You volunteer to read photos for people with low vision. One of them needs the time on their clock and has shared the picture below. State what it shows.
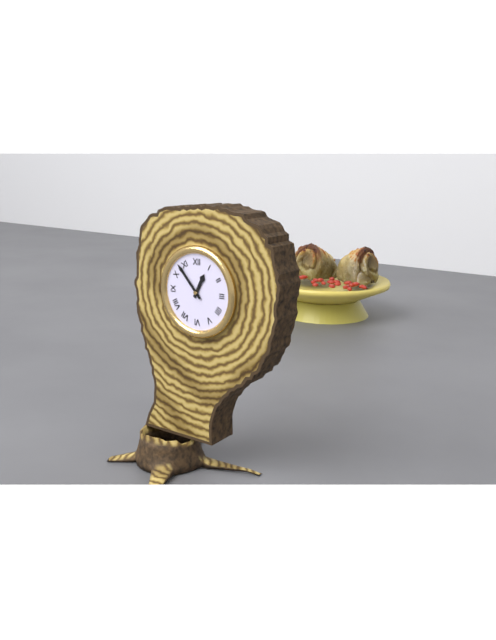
12:53
